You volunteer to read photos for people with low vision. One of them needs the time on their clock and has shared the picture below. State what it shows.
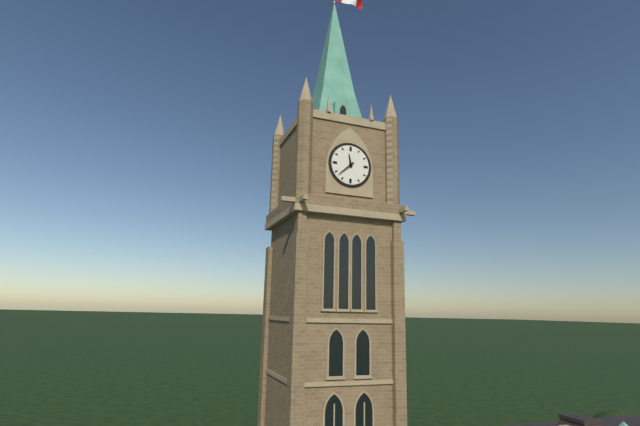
11:38
